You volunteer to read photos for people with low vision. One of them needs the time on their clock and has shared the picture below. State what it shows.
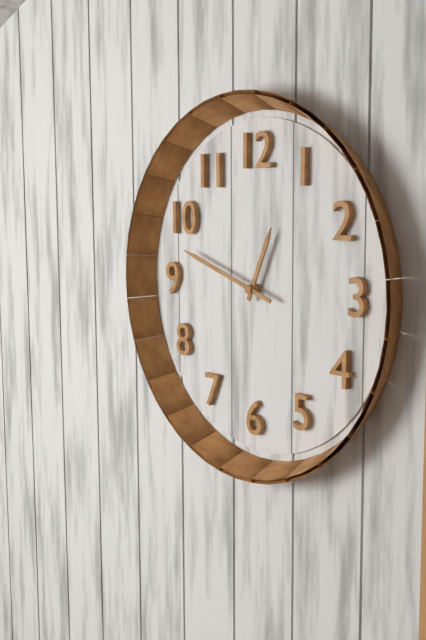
12:48
